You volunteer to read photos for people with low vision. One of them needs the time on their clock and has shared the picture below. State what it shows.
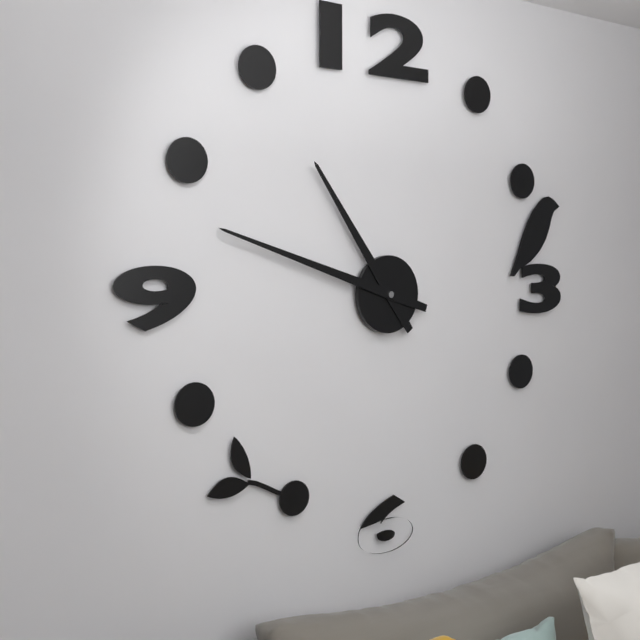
10:48
